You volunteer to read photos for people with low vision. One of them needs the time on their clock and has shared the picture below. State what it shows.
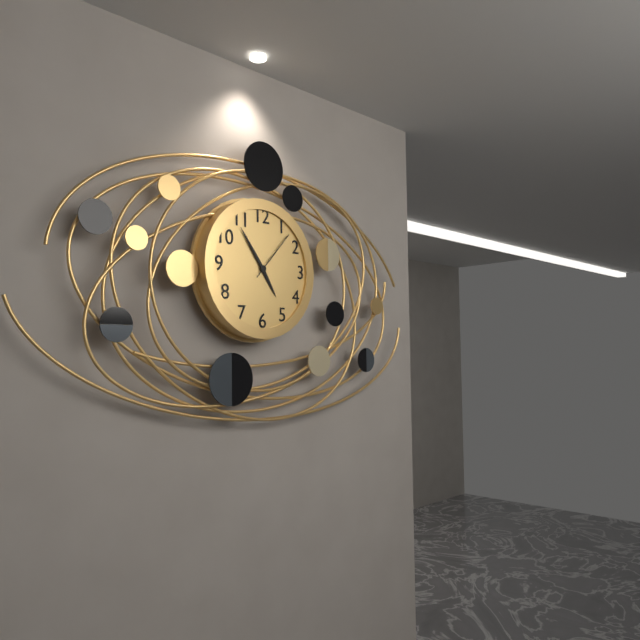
4:54:07
